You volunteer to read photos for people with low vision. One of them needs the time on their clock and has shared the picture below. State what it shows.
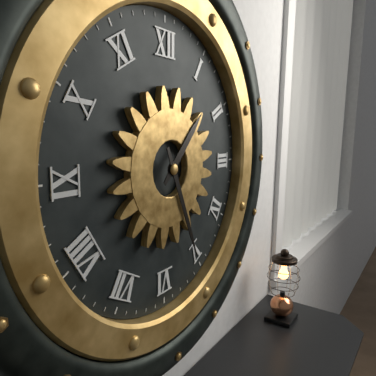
1:26
